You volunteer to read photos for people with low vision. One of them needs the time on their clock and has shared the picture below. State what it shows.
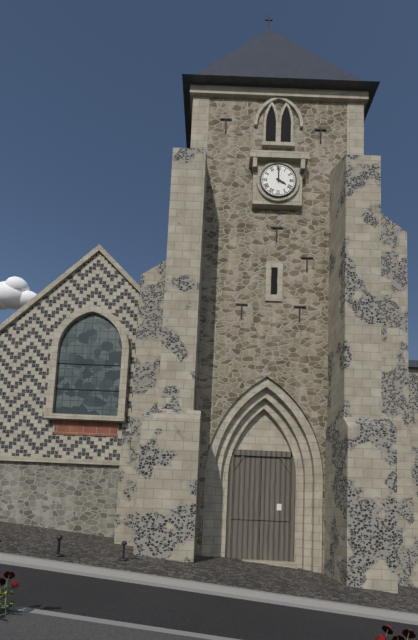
4:00
